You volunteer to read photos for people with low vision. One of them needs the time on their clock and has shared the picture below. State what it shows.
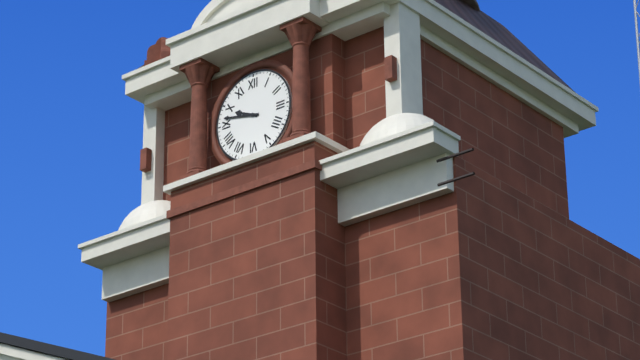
9:47
